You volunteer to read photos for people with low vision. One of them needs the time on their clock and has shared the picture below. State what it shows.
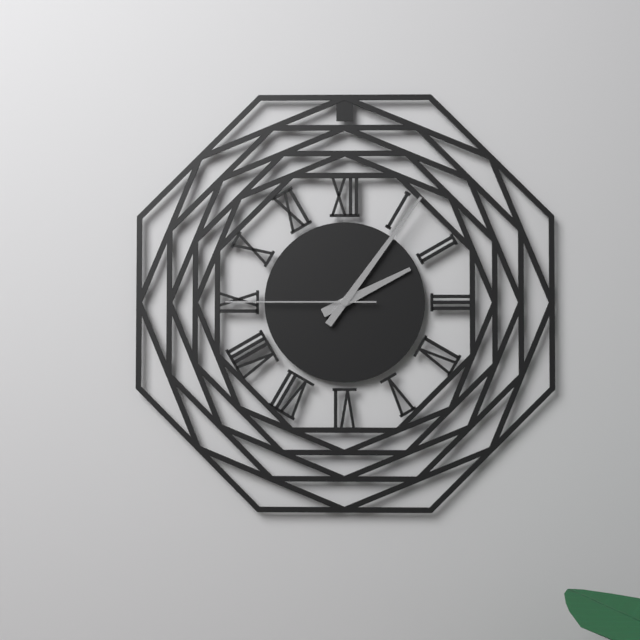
2:06:45
